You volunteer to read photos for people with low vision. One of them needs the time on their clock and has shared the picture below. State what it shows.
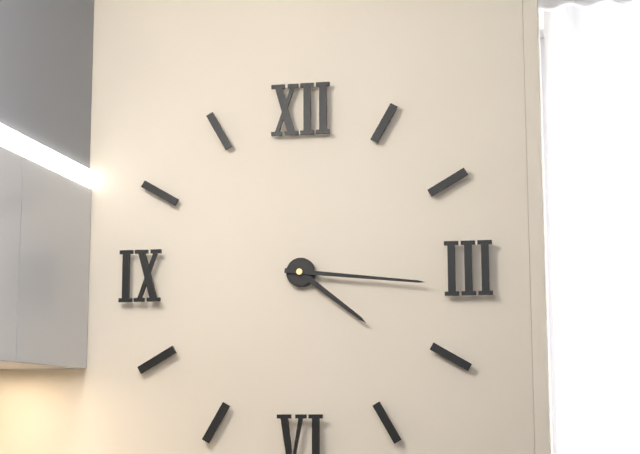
4:16
